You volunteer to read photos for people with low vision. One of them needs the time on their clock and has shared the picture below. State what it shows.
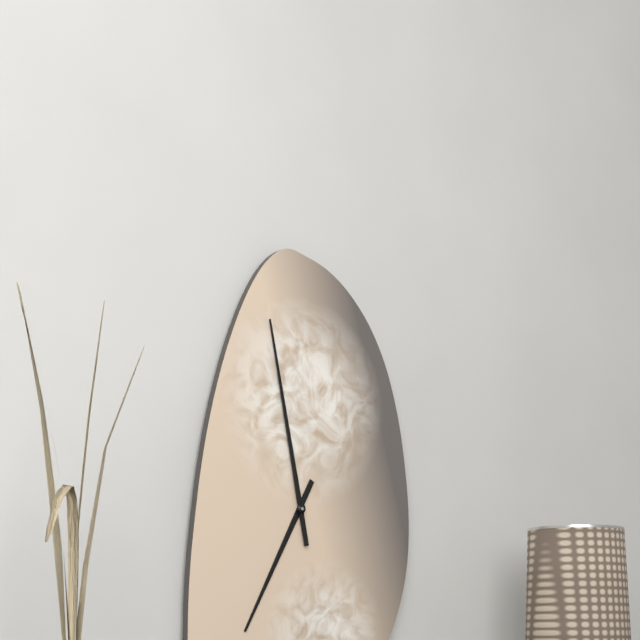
6:58
